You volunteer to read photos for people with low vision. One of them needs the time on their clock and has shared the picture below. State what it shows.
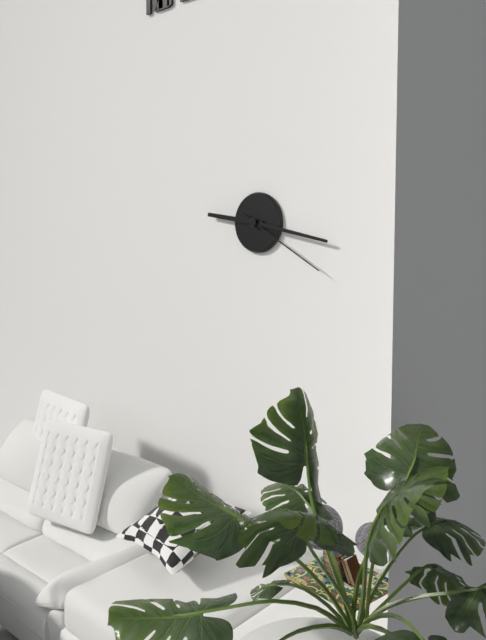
9:17:20
